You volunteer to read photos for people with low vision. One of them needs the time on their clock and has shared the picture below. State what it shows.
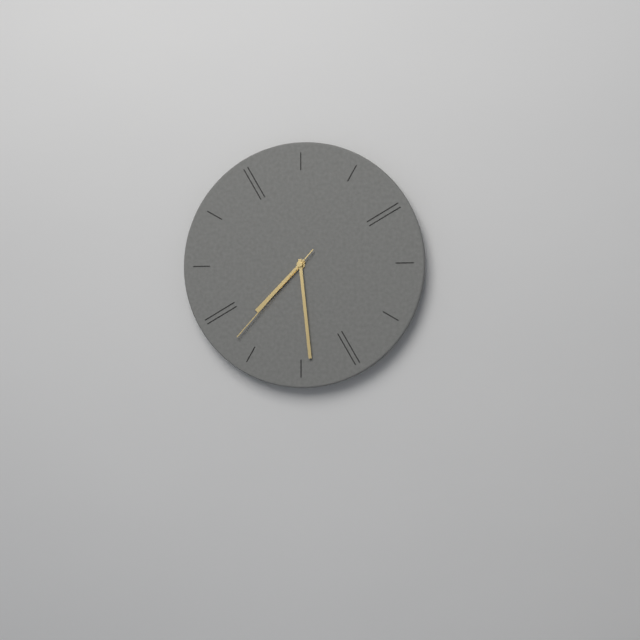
7:29:37
